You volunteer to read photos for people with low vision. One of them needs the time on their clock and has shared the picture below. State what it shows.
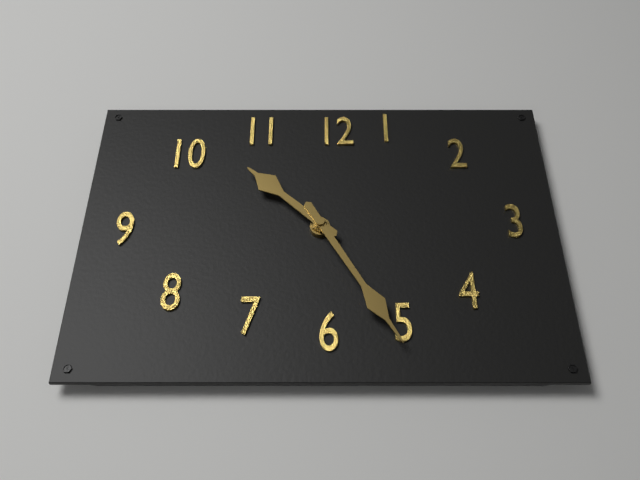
10:25
